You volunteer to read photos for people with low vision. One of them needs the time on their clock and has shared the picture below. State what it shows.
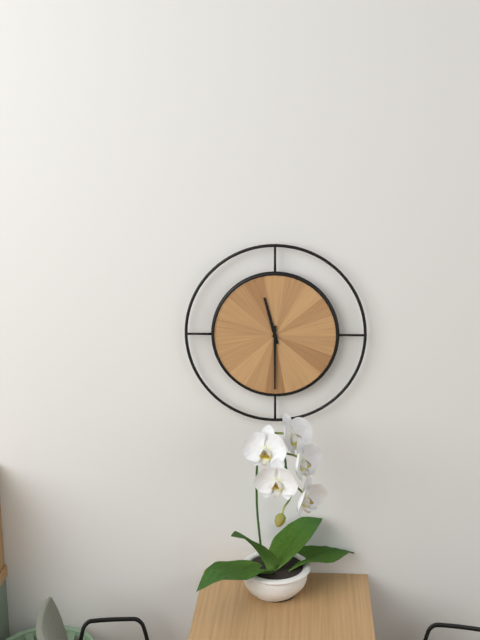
11:30
